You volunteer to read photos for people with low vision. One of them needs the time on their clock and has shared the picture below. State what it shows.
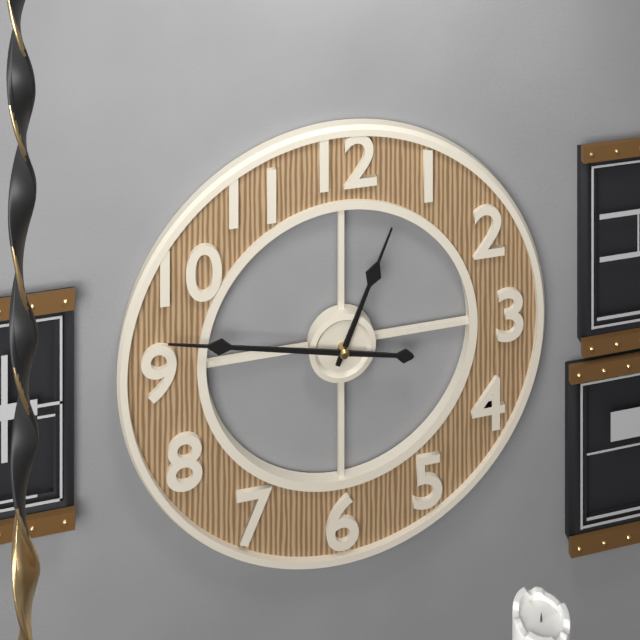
12:47
